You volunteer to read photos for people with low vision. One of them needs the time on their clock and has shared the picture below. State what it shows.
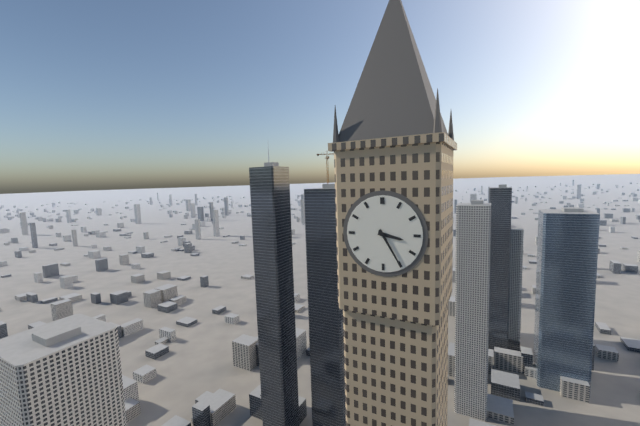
3:25
